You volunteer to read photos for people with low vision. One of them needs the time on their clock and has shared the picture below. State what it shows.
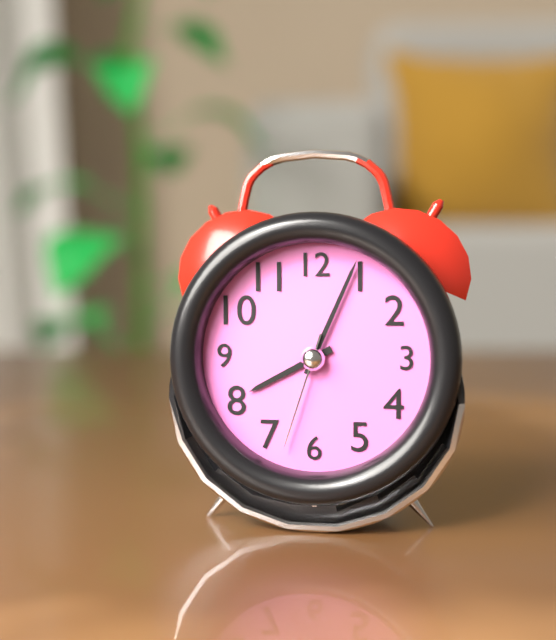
8:04:33
